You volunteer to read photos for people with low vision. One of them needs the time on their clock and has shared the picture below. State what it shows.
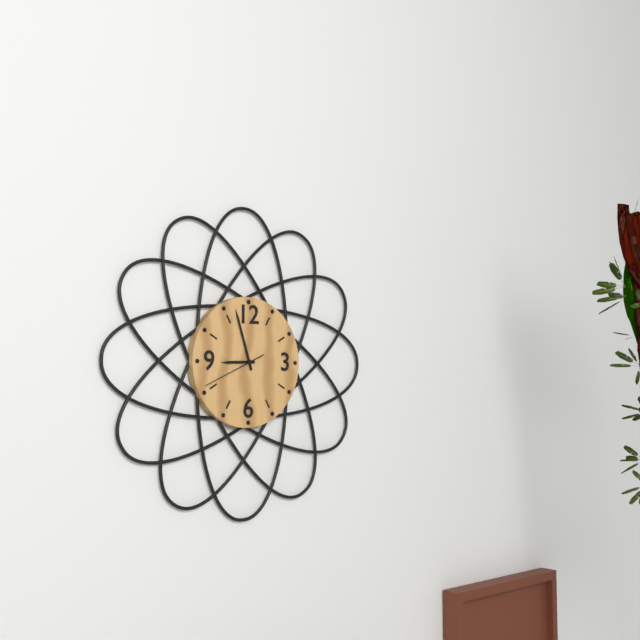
8:57:41
